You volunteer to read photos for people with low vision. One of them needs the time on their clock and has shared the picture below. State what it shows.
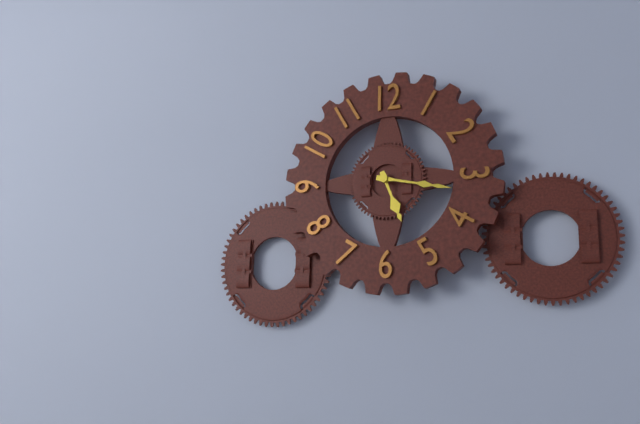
5:17
